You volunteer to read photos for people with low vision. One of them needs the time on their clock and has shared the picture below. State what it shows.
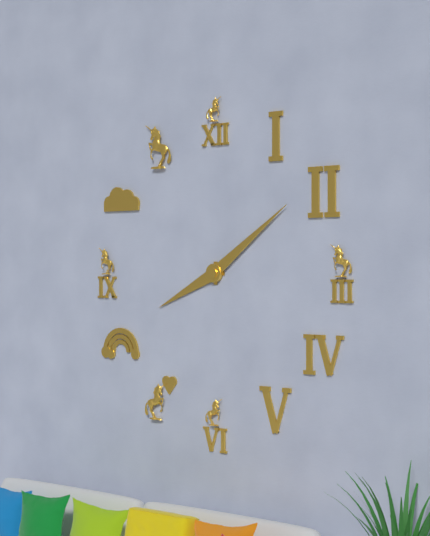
8:09
